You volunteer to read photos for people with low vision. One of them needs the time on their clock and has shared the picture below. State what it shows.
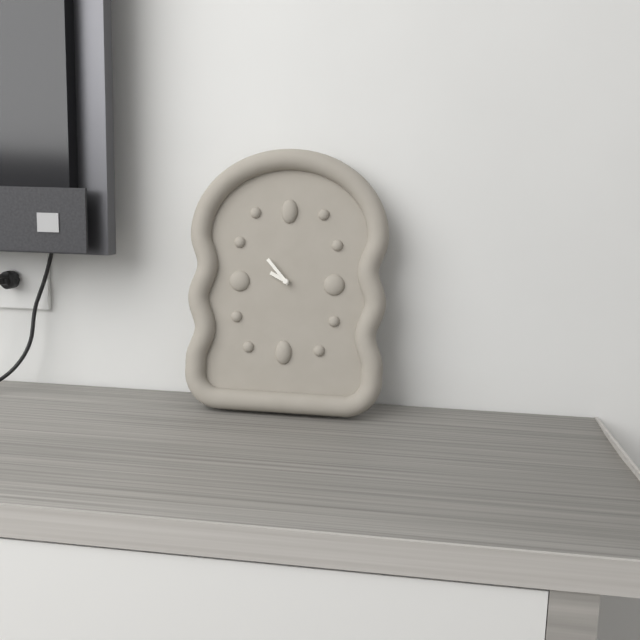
9:53
